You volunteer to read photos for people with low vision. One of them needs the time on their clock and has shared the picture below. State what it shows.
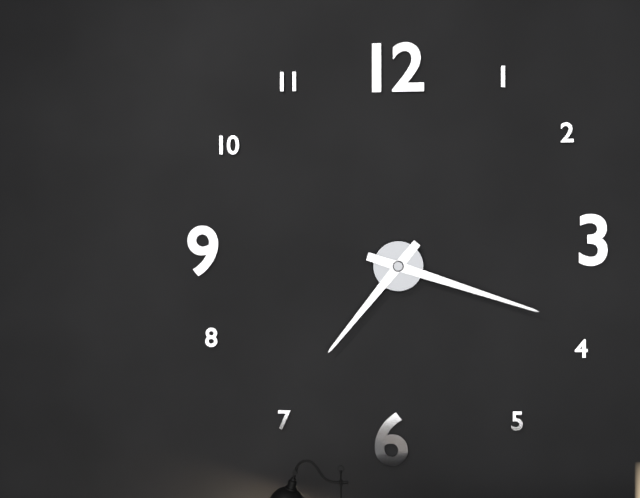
7:18
